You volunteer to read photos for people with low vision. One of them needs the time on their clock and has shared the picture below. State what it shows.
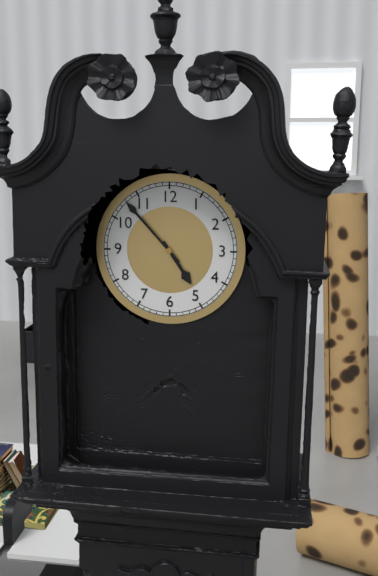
4:53
